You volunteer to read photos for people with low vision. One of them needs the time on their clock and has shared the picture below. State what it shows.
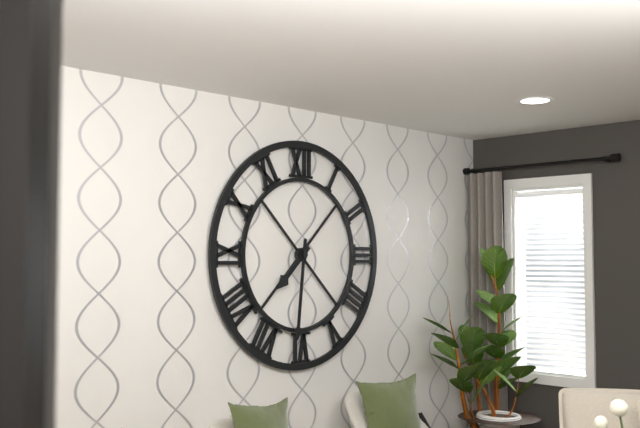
7:31
